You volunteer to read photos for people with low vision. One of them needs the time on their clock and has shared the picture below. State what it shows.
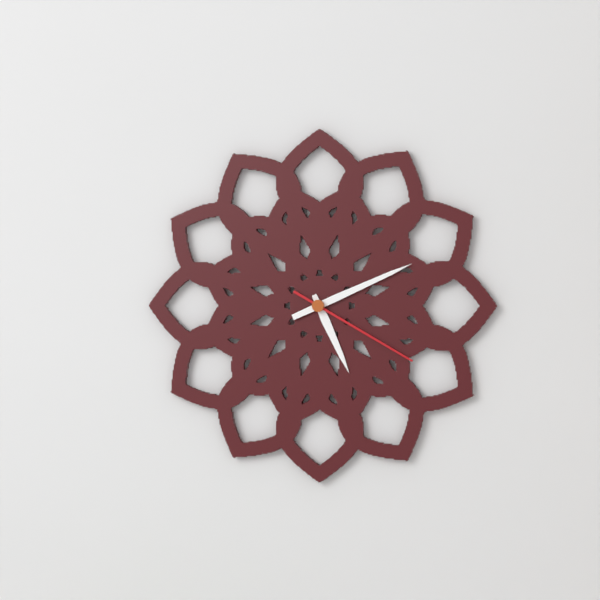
5:11:20
